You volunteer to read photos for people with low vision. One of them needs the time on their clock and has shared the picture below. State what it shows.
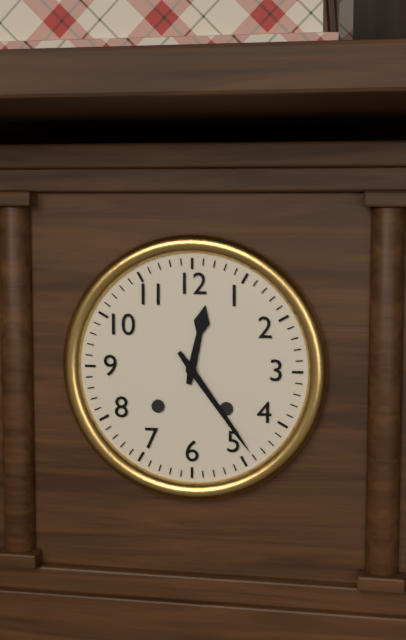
12:24
